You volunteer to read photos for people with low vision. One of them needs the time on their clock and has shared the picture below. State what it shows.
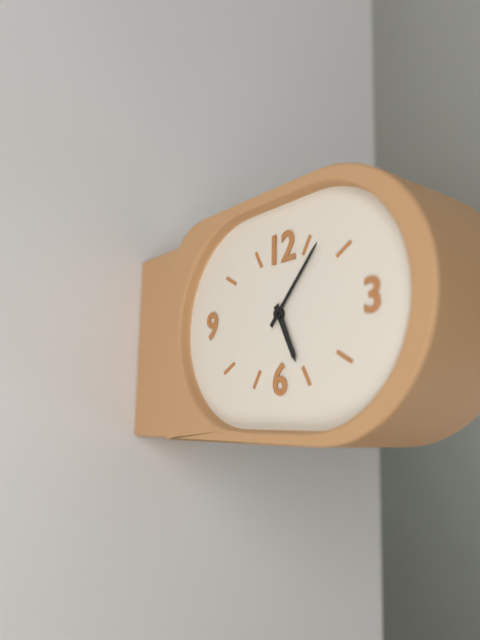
5:07
